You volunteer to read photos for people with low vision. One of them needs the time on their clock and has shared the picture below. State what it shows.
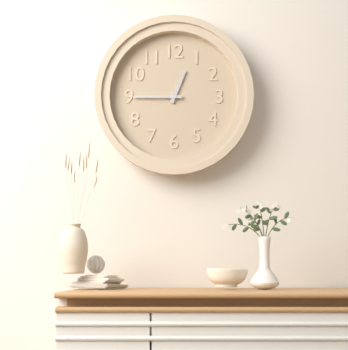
12:45
